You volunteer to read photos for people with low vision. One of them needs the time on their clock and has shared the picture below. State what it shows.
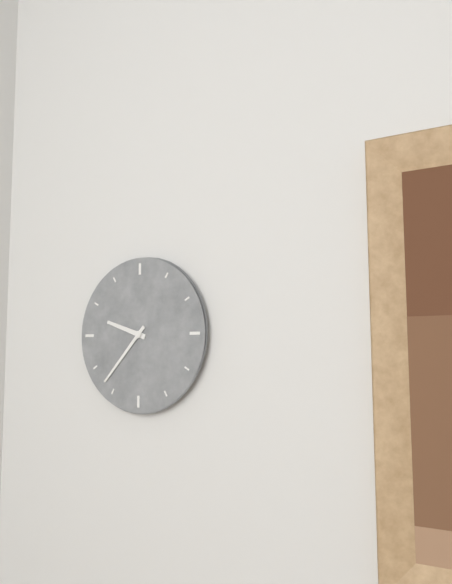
9:37
